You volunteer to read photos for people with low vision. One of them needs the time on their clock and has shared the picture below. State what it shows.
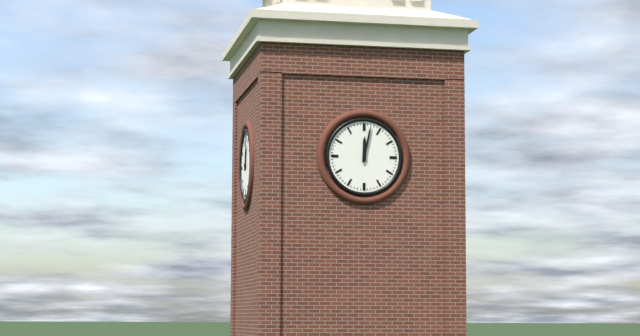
12:02
